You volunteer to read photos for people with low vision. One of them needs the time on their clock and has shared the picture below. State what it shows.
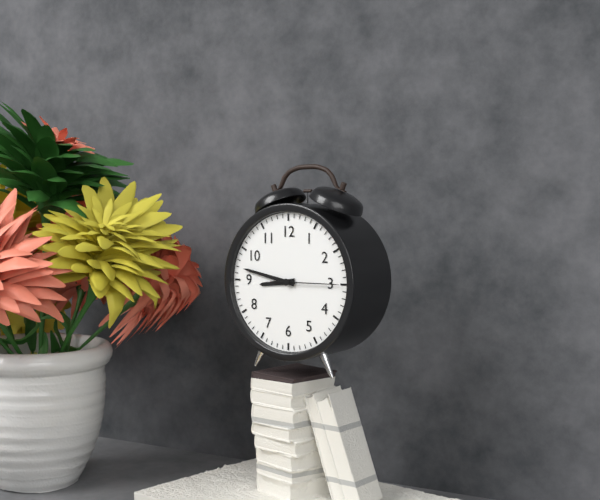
8:47:15
